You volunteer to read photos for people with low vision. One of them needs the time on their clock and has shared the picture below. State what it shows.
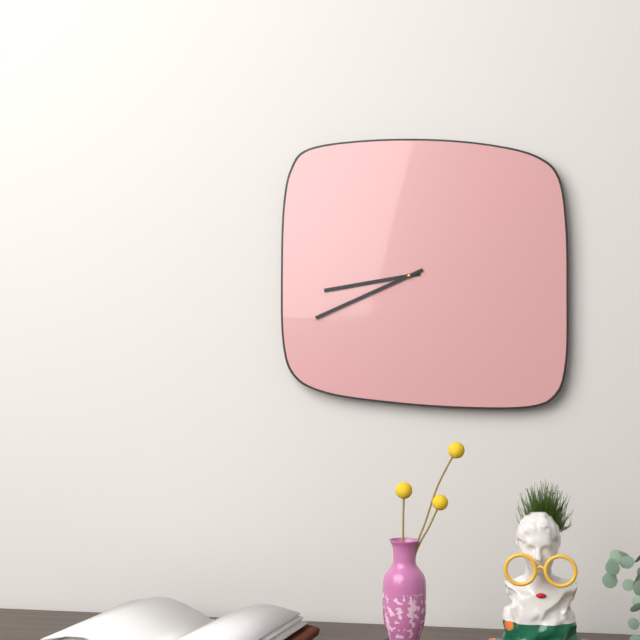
8:41
